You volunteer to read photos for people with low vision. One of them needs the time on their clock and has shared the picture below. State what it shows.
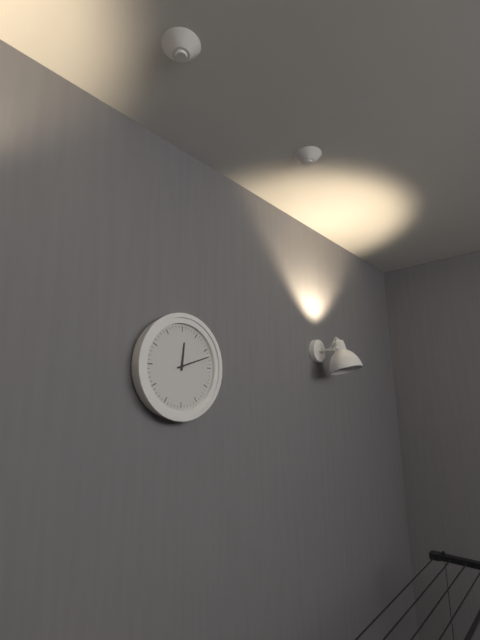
12:12
